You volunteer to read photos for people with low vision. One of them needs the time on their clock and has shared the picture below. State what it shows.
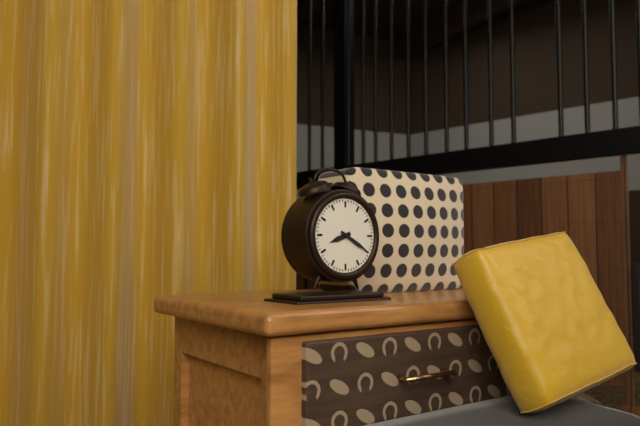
8:20
